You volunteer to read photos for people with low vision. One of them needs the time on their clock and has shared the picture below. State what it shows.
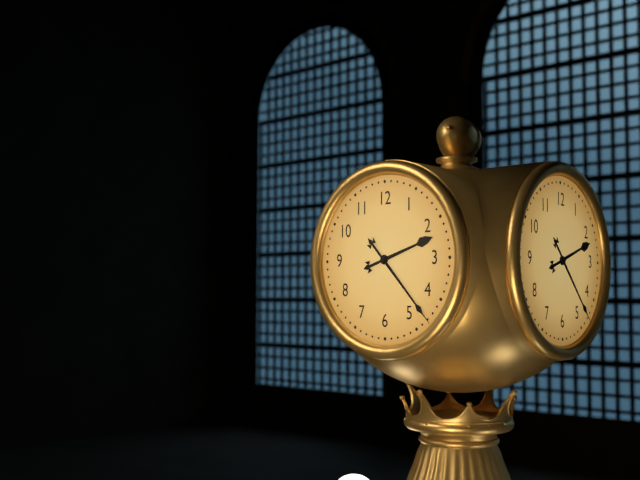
2:23
